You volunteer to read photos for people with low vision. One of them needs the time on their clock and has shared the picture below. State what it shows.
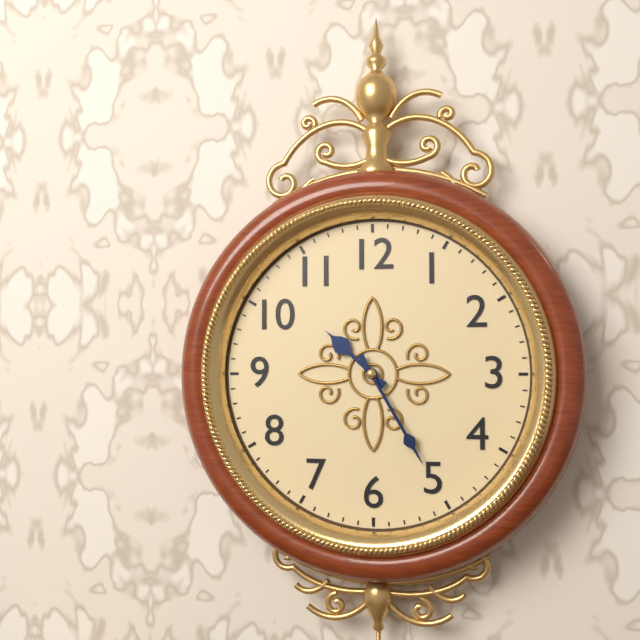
10:25
